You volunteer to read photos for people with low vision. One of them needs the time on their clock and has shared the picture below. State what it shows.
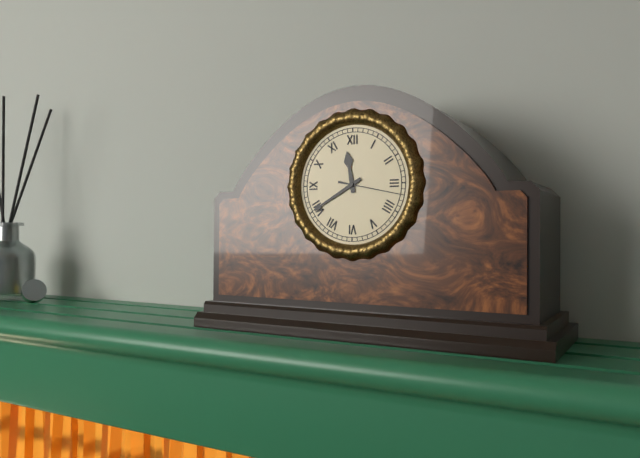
11:40
